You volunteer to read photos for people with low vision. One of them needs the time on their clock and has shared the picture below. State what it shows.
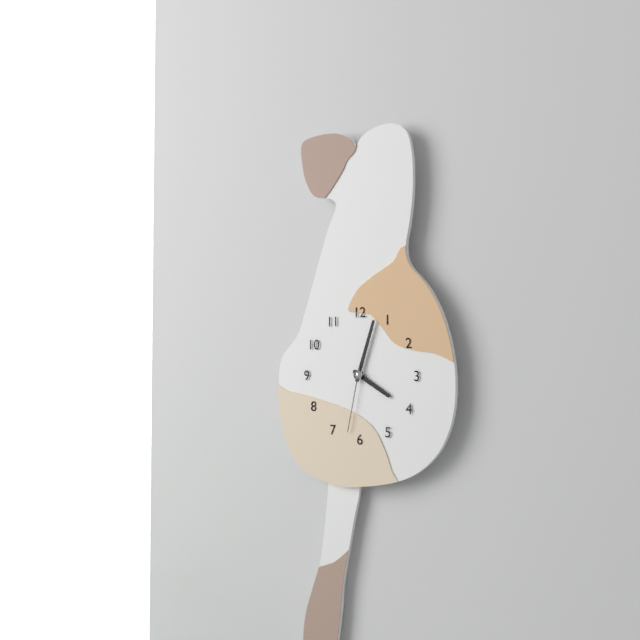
4:03:32
